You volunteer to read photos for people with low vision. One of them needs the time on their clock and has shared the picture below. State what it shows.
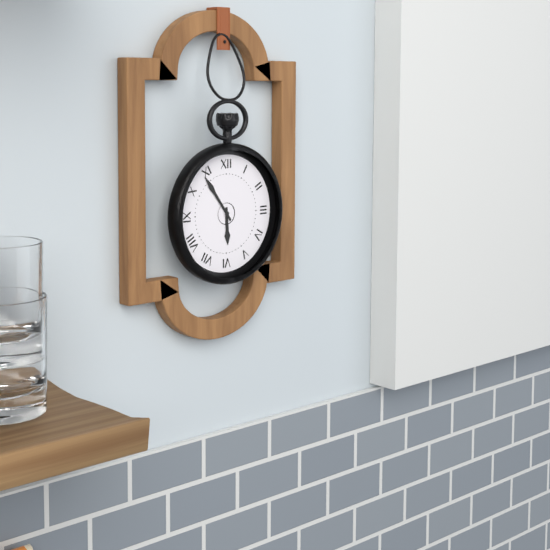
5:54
